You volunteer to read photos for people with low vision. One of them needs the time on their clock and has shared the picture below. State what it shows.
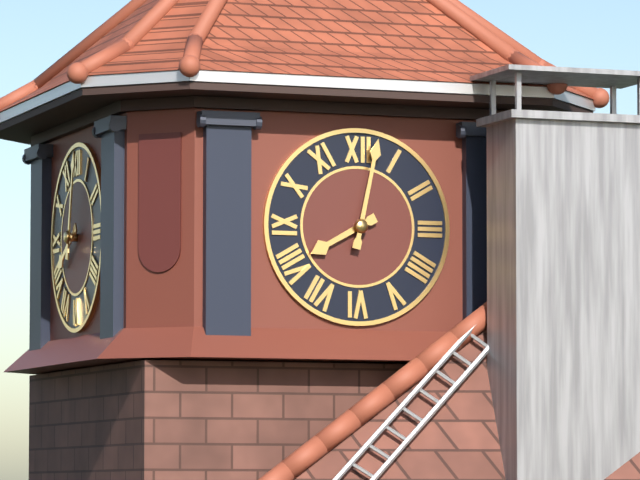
8:02
